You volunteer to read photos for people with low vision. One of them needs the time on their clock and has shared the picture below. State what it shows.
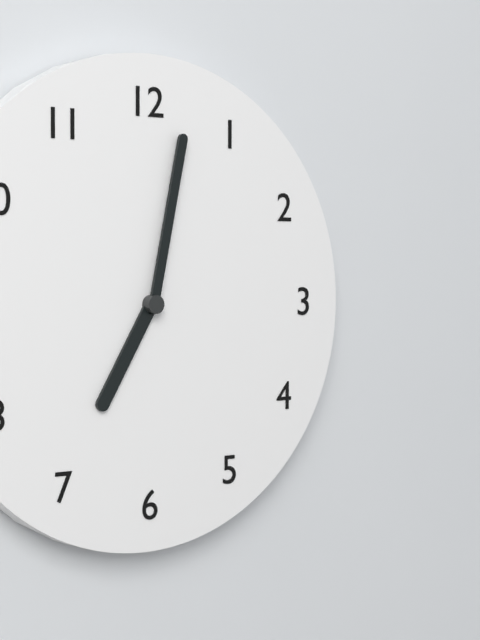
7:02
